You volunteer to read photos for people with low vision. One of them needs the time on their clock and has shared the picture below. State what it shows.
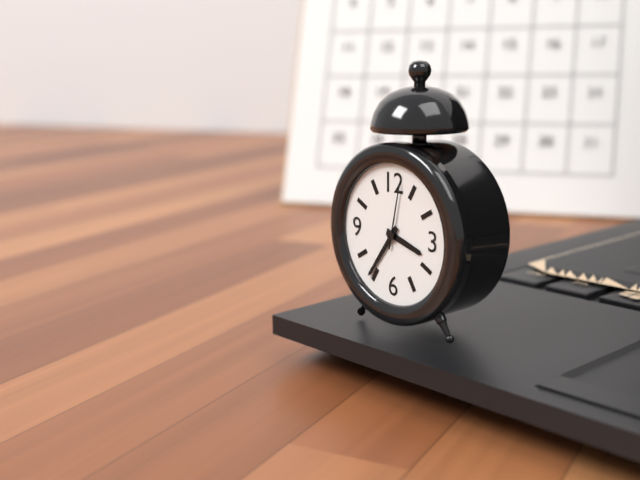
3:36:02
